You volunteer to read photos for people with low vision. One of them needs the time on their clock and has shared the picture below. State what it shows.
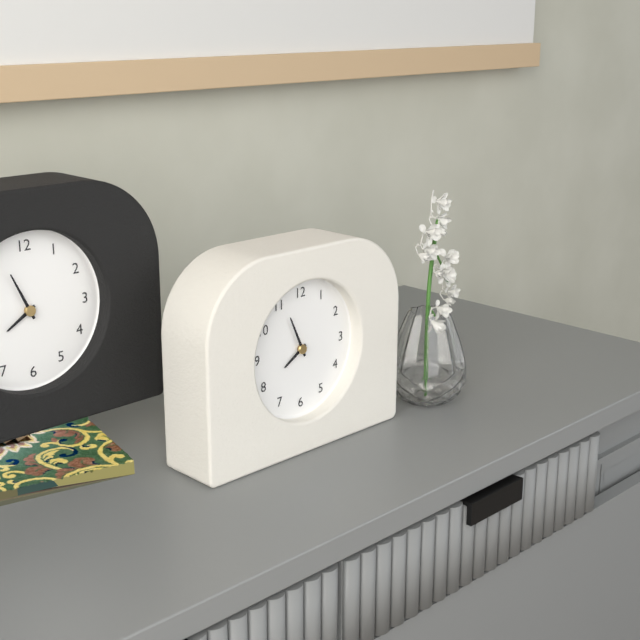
7:56
